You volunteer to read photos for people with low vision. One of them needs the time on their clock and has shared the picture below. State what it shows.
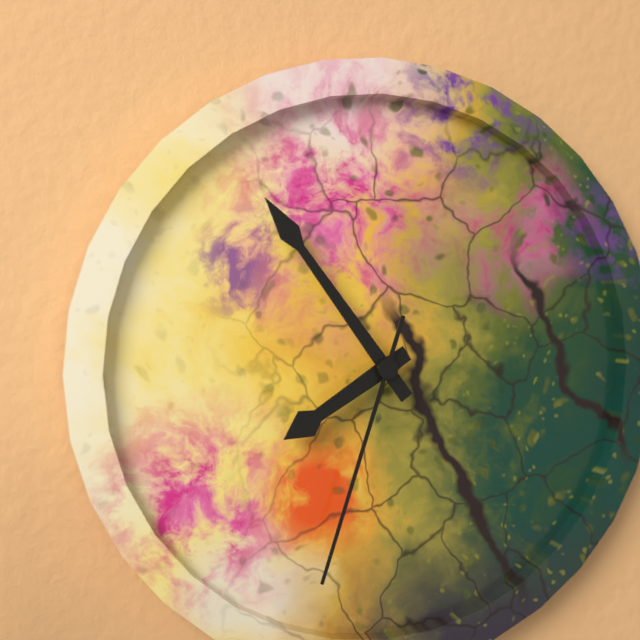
7:54:33
